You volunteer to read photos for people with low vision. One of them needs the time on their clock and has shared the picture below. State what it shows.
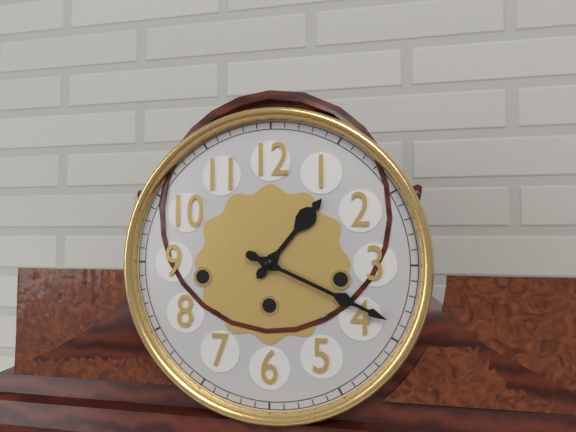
1:19
